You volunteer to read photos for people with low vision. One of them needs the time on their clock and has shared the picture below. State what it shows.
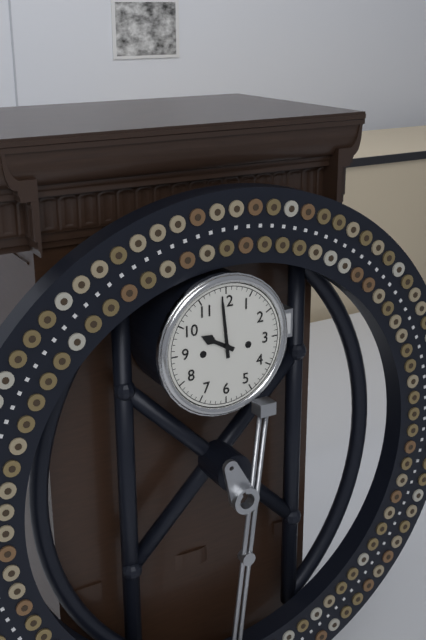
9:59
